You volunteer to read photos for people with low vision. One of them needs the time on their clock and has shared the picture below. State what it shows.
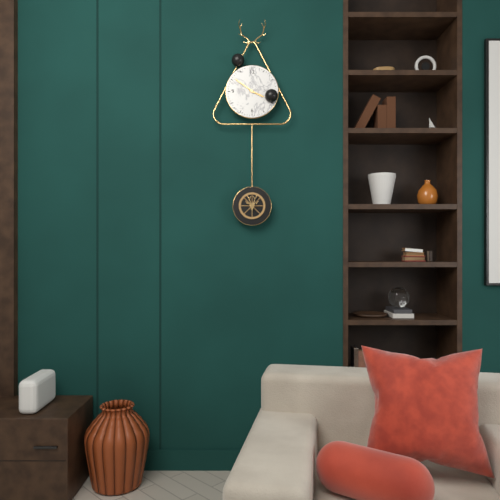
3:51
